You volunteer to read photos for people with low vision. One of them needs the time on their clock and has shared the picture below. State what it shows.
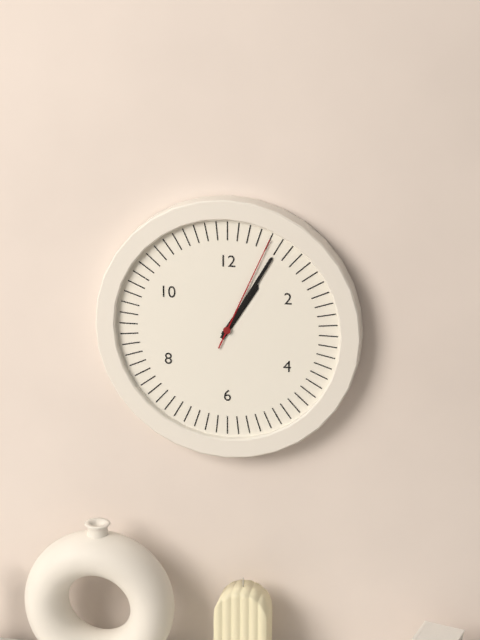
1:05:04
